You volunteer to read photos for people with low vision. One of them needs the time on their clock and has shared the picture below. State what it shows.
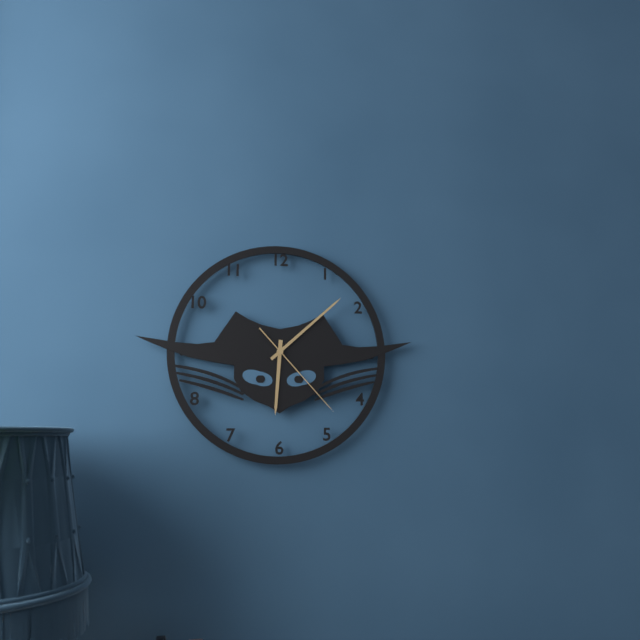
6:08:23
